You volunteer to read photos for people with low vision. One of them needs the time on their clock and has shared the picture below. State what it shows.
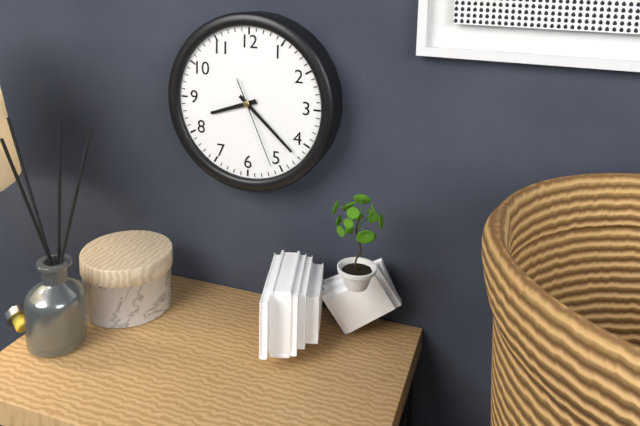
8:22:26
